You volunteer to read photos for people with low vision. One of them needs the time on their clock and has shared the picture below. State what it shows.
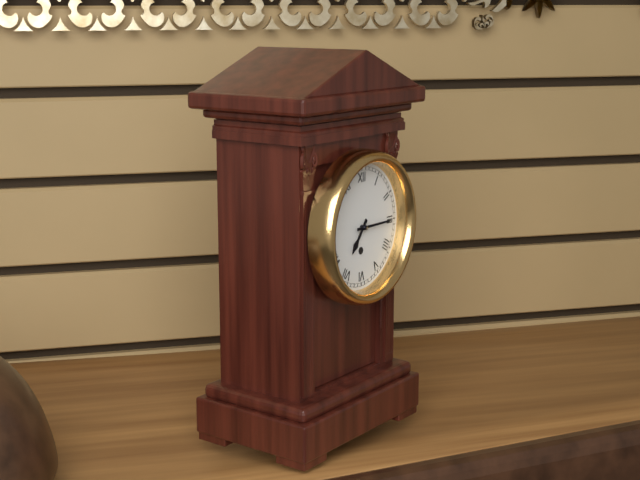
7:15
